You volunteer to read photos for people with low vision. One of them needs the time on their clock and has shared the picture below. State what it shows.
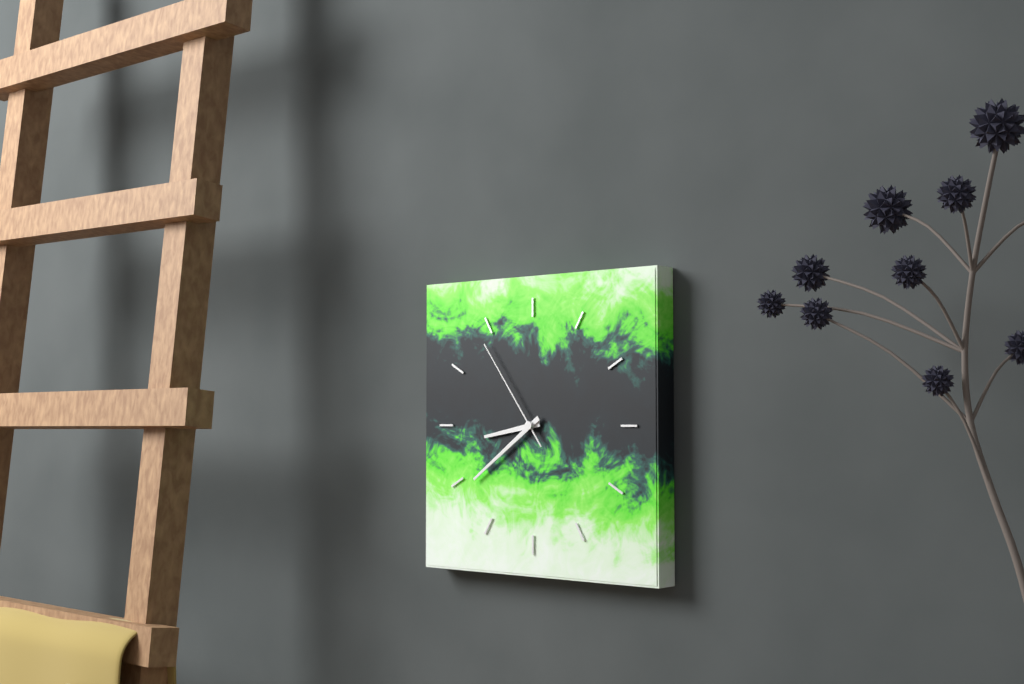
8:39:54
